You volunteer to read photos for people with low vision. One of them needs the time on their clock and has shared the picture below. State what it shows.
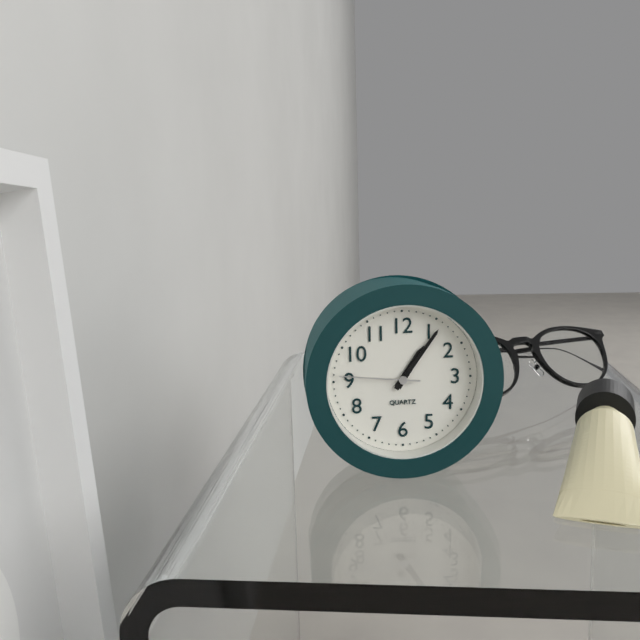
1:06:46
